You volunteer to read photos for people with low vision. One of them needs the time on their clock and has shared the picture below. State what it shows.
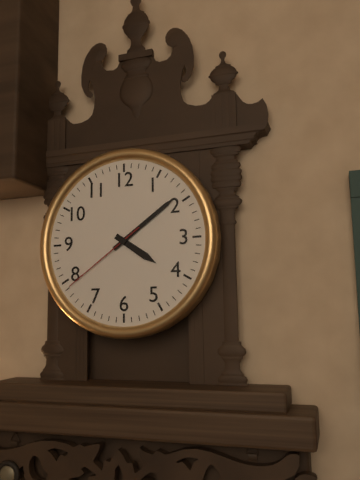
4:09:39
